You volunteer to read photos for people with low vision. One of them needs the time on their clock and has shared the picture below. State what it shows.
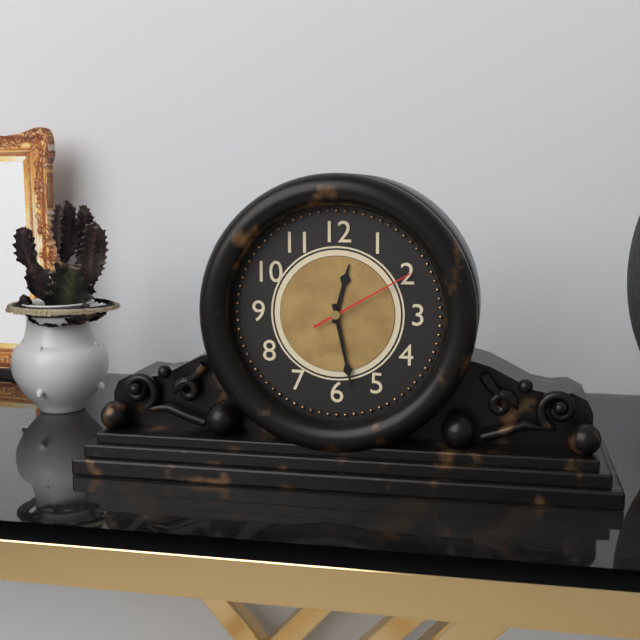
12:28:10
